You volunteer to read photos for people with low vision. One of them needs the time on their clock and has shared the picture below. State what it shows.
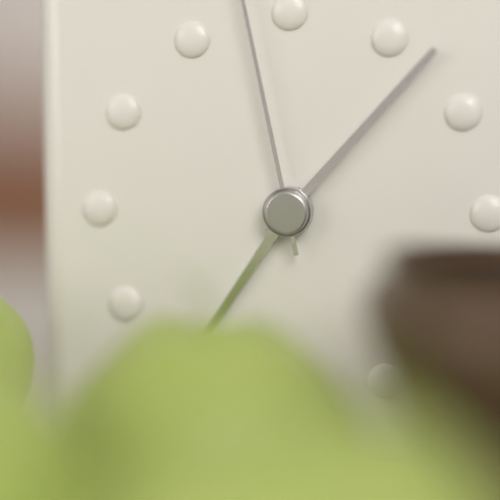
7:07
